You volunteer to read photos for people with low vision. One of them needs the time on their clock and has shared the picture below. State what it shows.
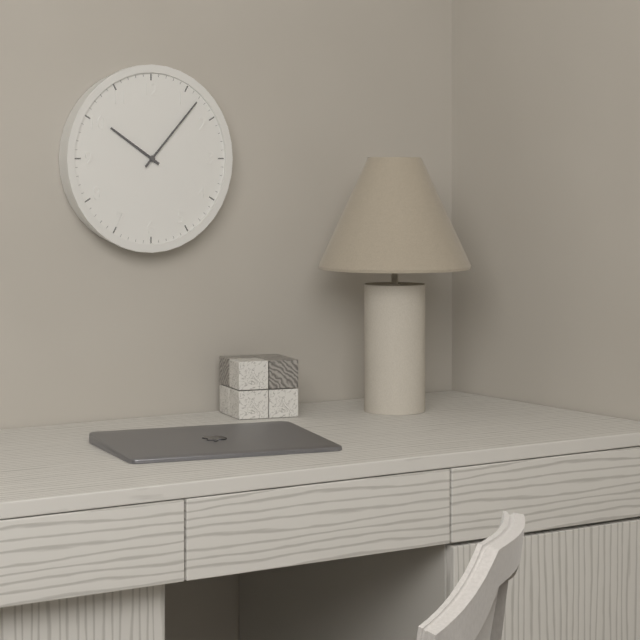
10:07
